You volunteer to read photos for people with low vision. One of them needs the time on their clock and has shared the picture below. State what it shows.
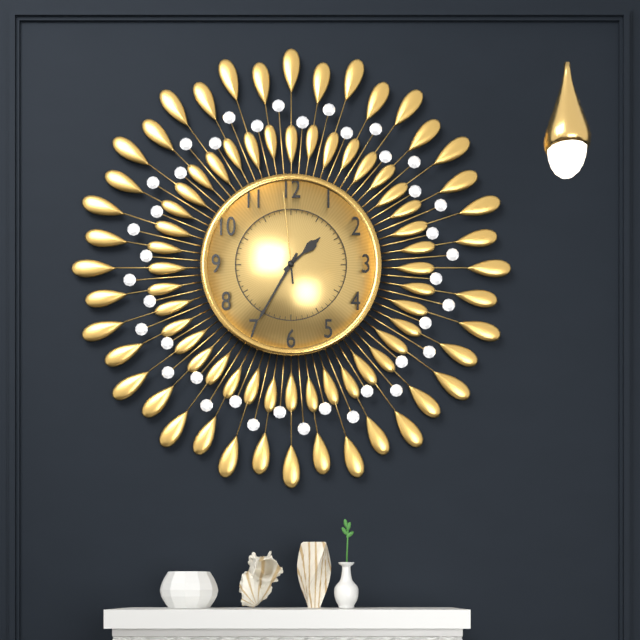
1:35:59
